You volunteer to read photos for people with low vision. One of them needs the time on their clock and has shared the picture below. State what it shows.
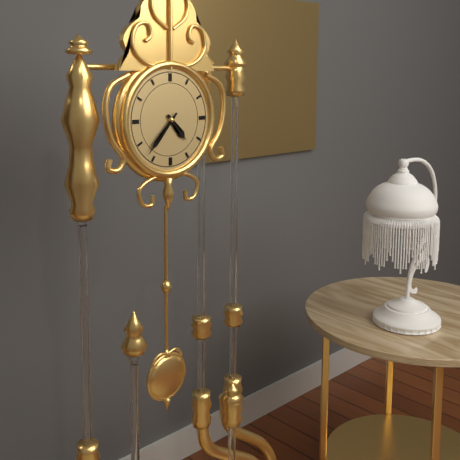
4:37
